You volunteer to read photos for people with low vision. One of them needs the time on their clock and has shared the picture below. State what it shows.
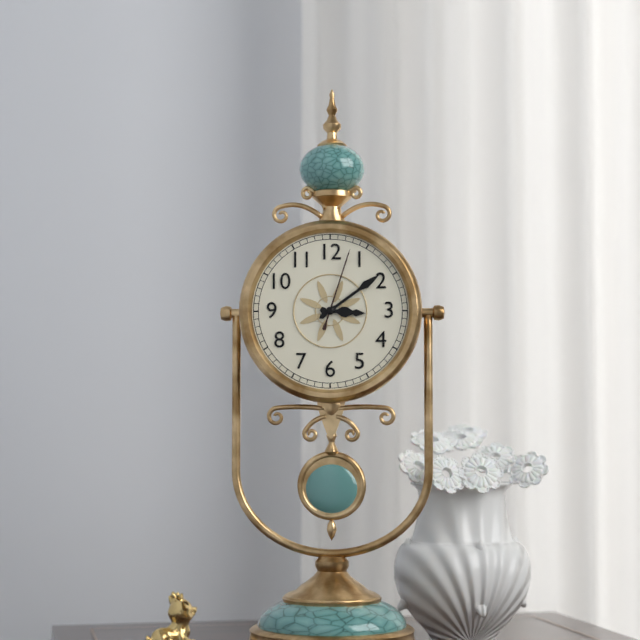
3:09:03
